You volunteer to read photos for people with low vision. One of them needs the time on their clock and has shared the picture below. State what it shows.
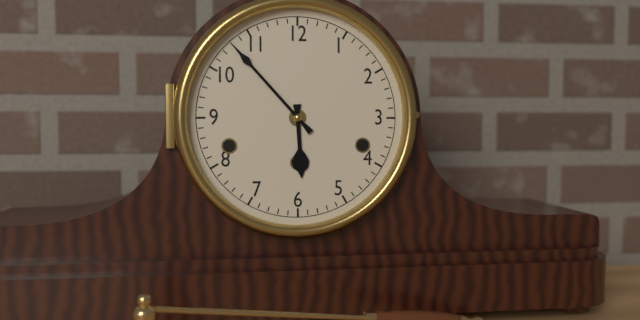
5:53
